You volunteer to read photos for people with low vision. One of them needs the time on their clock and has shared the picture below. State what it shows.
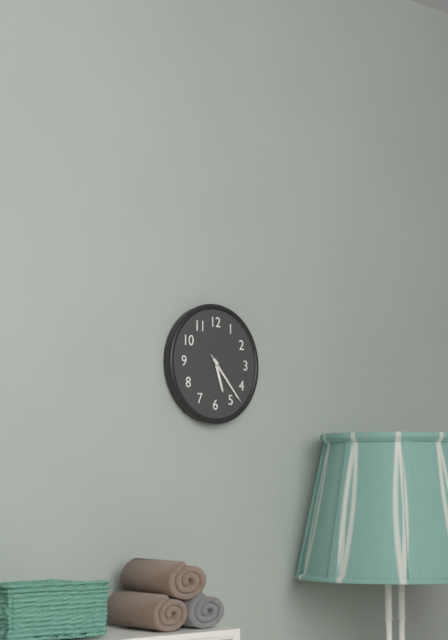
5:23:23
